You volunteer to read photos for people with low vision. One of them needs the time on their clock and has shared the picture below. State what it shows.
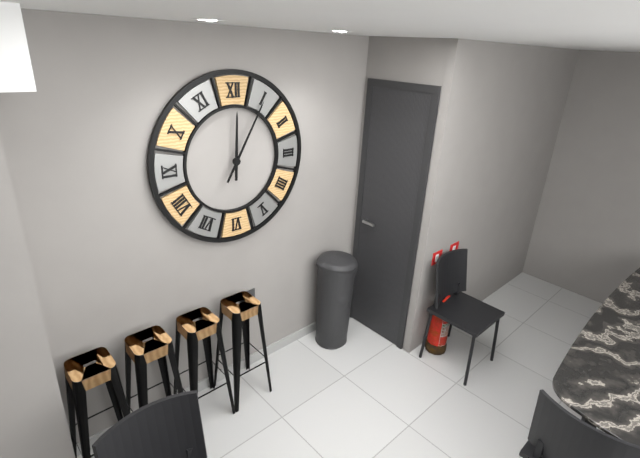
12:05
